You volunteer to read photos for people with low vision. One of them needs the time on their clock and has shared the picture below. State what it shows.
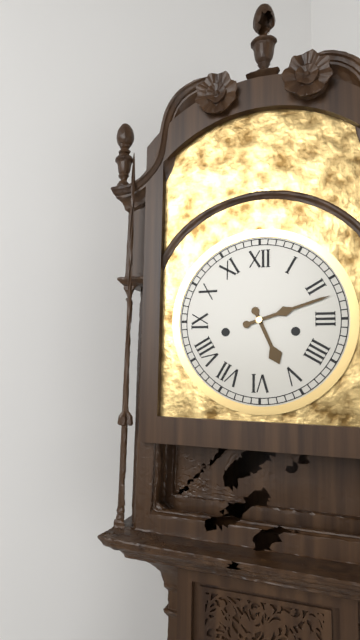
5:12
